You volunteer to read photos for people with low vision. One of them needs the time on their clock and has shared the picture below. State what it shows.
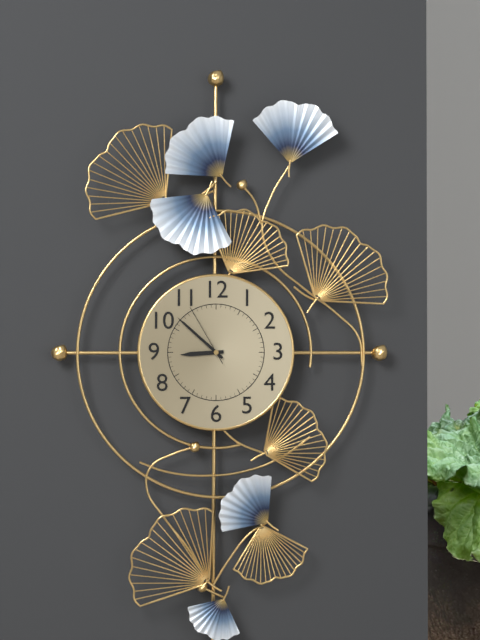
8:52:55
